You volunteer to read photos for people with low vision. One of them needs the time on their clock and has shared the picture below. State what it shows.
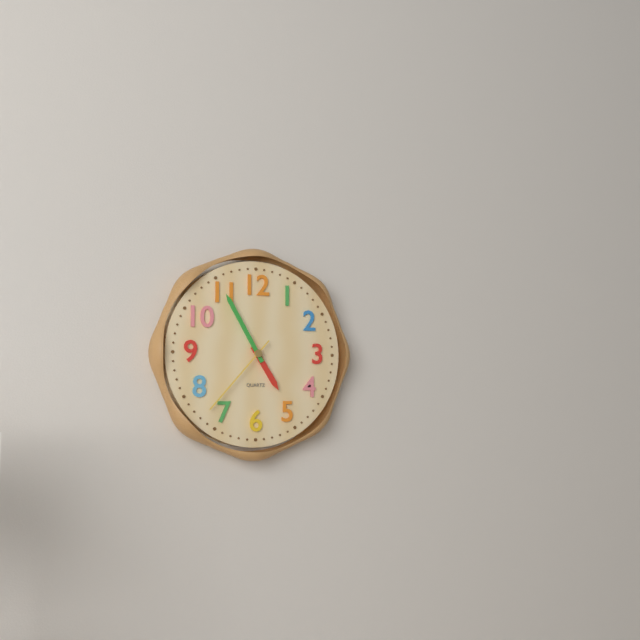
4:55:37
